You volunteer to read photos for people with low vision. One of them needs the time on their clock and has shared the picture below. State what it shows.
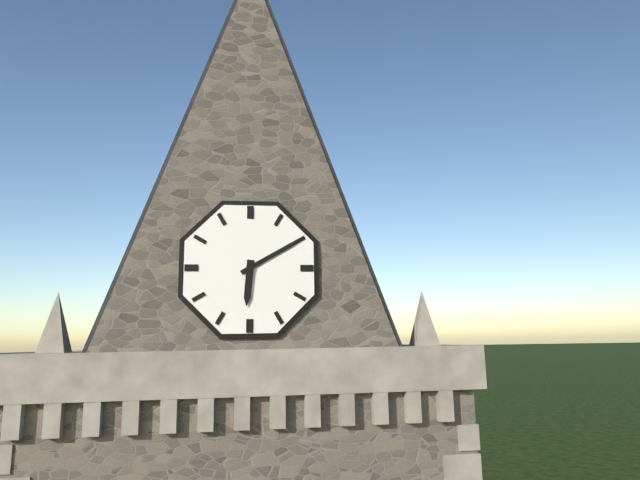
6:10
